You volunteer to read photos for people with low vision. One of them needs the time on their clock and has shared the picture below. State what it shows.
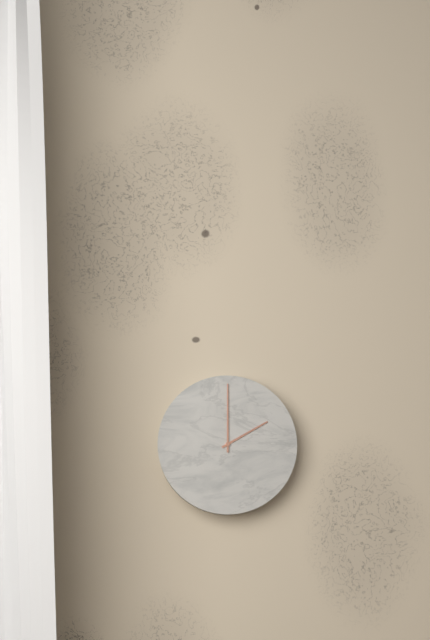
2:00
